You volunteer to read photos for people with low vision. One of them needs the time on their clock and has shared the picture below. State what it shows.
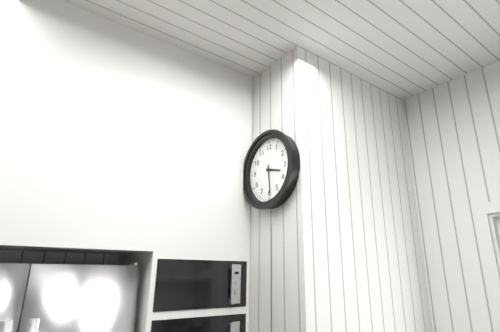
3:29
